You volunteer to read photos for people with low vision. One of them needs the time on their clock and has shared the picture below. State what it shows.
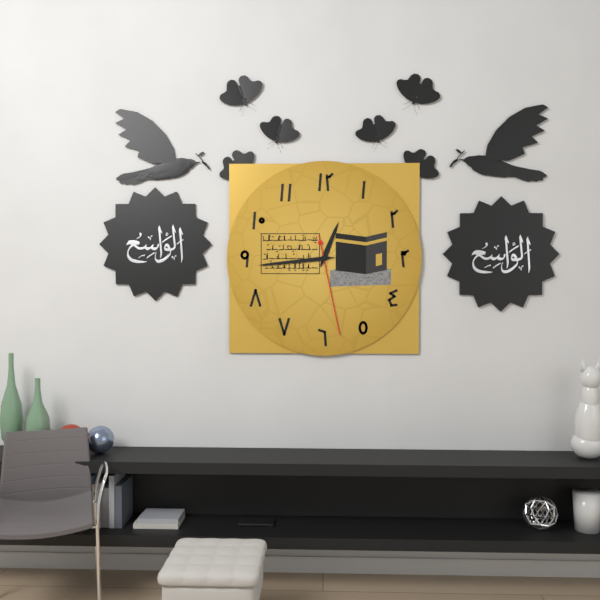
12:44:28
